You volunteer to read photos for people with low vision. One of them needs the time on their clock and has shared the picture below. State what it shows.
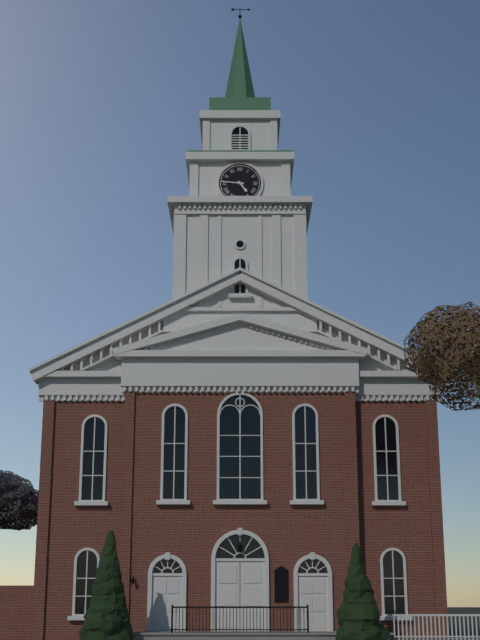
4:46
